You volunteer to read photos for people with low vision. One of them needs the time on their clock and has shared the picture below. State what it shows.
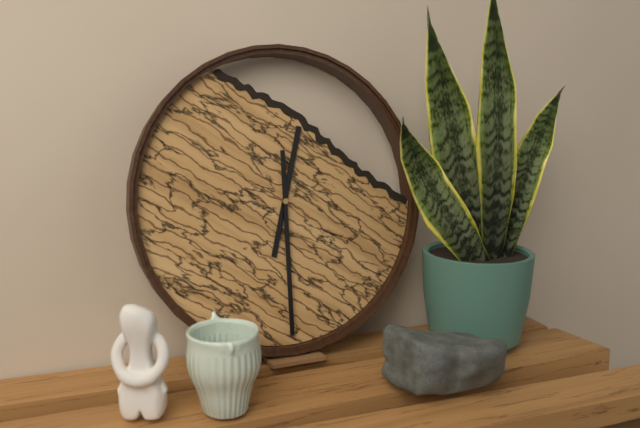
12:30
